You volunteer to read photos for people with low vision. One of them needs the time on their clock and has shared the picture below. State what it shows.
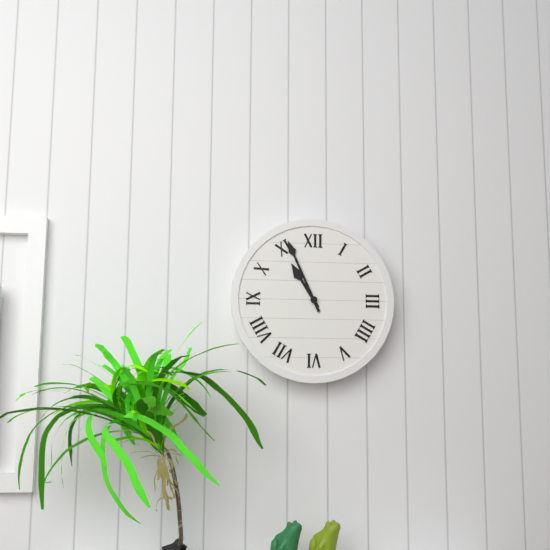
10:56
